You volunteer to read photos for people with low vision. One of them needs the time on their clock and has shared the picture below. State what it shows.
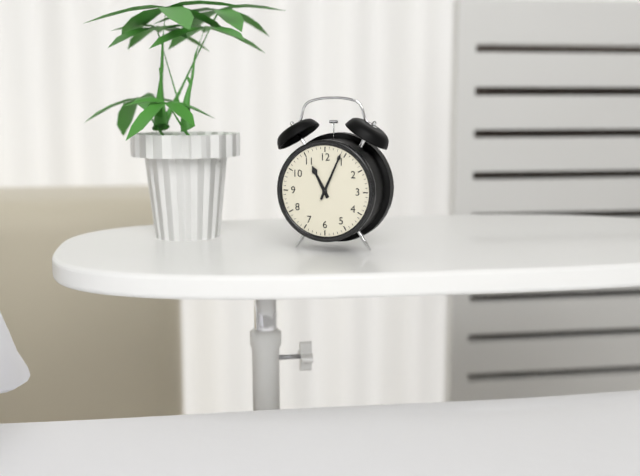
11:04
